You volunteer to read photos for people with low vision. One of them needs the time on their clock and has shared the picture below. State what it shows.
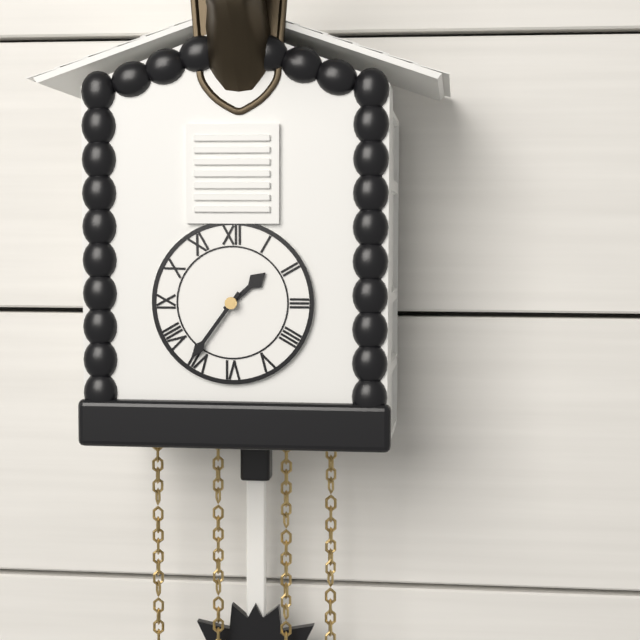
1:36
